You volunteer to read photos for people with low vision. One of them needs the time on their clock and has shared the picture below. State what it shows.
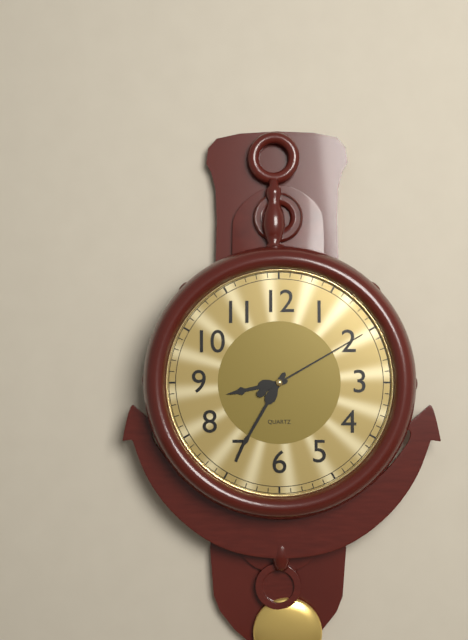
8:35:10
